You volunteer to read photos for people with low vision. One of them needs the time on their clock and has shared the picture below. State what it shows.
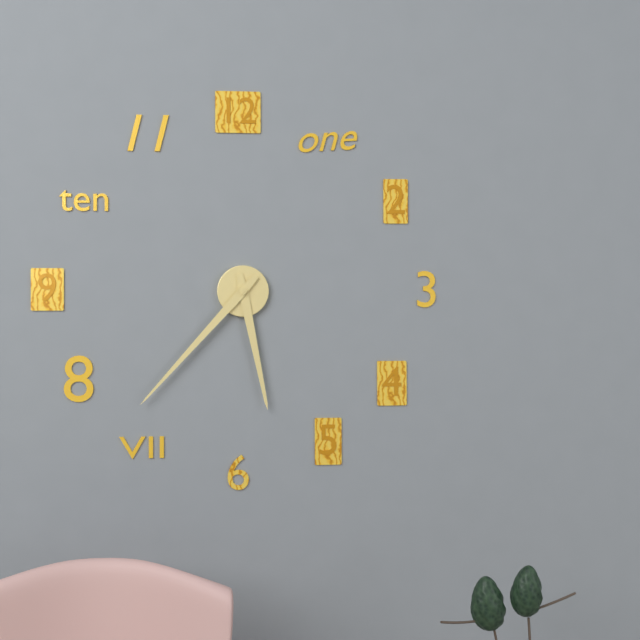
5:37
